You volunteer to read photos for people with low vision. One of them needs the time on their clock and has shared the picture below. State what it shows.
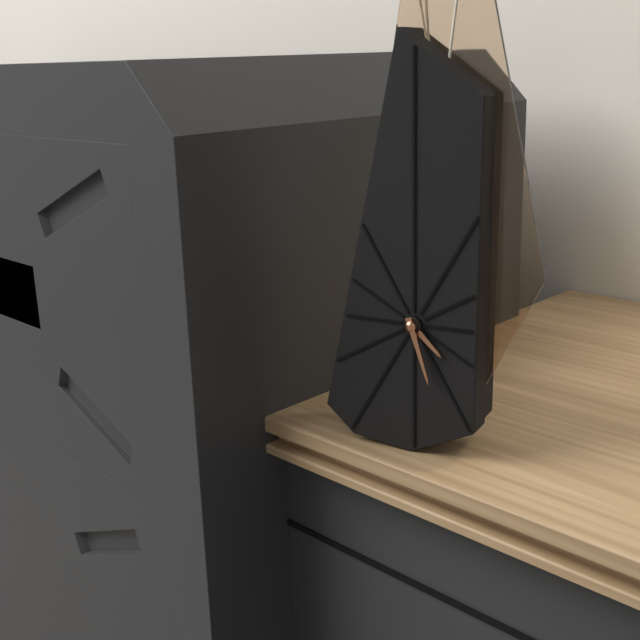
4:27
